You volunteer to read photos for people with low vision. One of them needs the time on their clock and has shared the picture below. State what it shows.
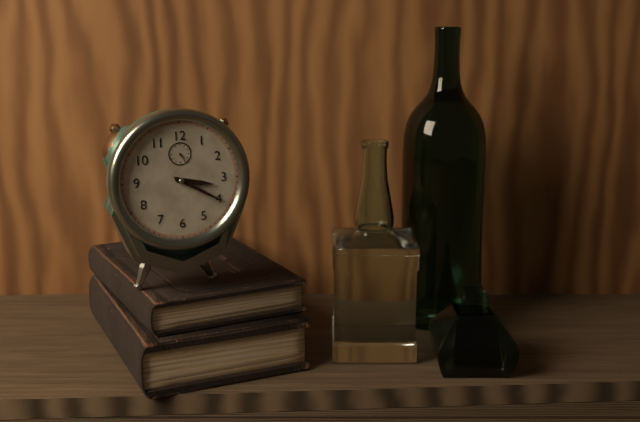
3:20
